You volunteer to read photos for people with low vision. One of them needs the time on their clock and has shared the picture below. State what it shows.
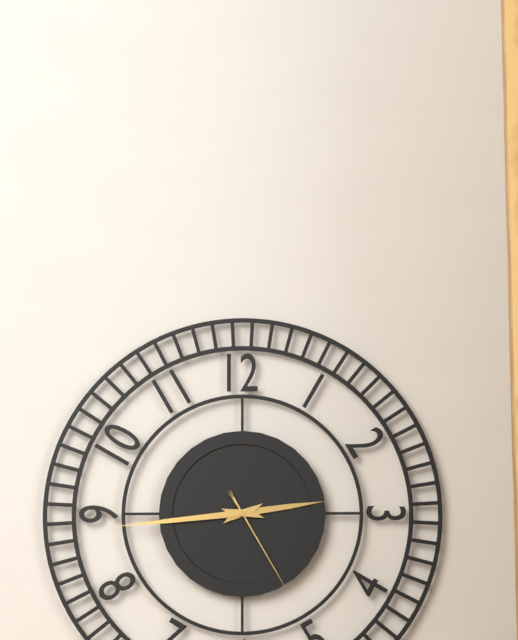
2:44:25
